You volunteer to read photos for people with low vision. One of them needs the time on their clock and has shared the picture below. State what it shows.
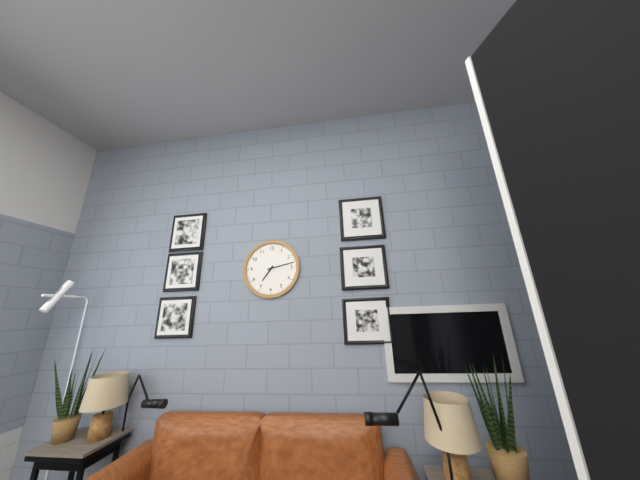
7:13
